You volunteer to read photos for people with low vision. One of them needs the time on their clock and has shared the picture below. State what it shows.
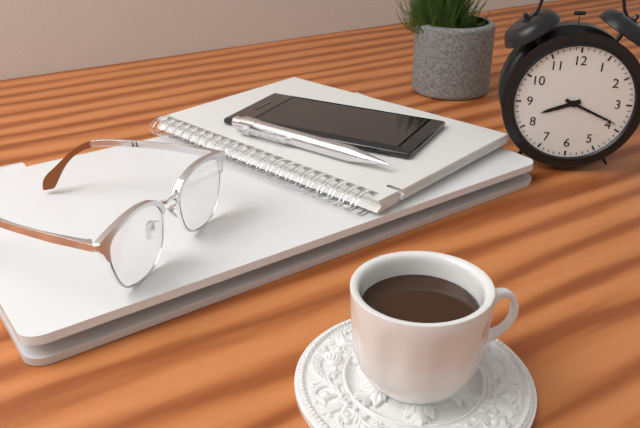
8:19
